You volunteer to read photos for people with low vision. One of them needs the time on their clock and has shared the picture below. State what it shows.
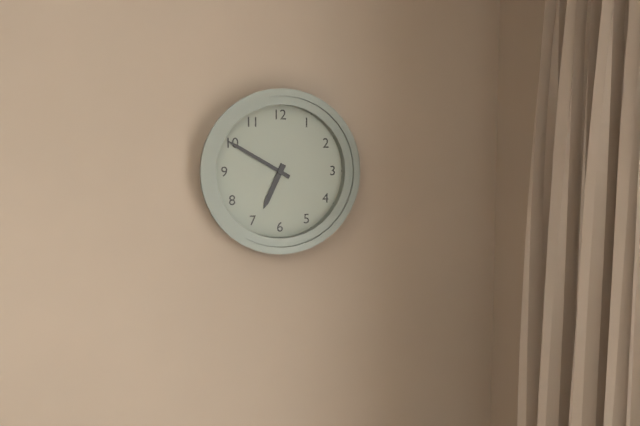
6:50
